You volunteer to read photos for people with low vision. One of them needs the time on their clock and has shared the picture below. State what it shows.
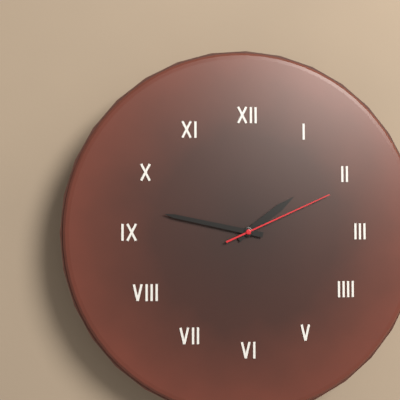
1:47:11
